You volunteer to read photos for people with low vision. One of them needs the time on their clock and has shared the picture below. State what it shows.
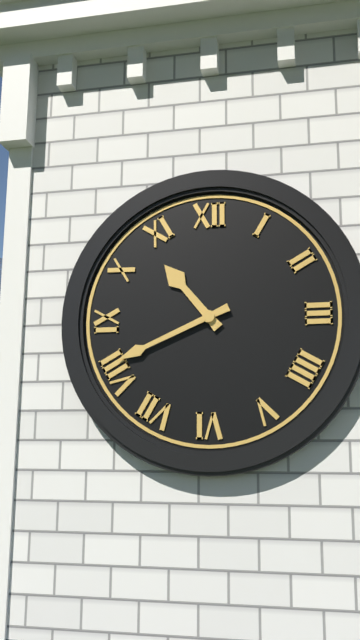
10:41
